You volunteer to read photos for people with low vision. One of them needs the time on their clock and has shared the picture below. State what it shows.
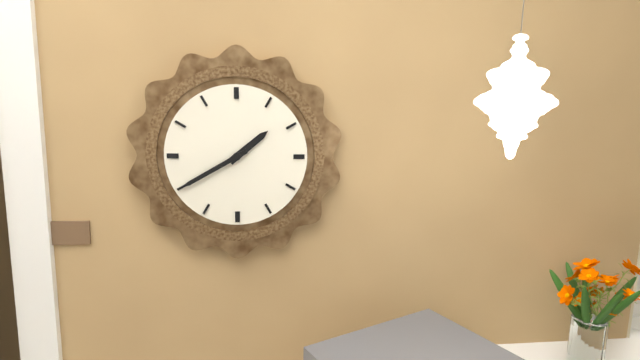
1:40
